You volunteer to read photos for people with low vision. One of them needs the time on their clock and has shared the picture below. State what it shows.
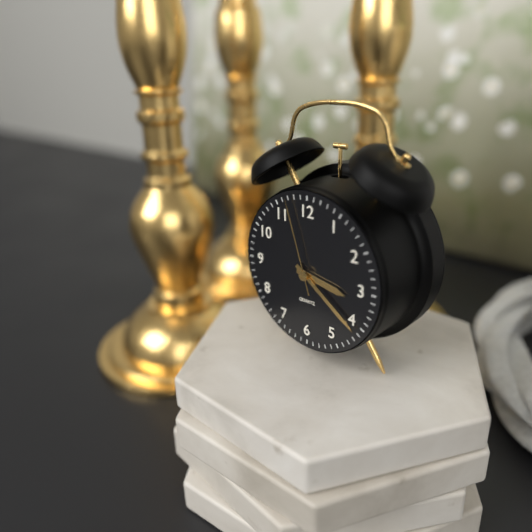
3:21:57
